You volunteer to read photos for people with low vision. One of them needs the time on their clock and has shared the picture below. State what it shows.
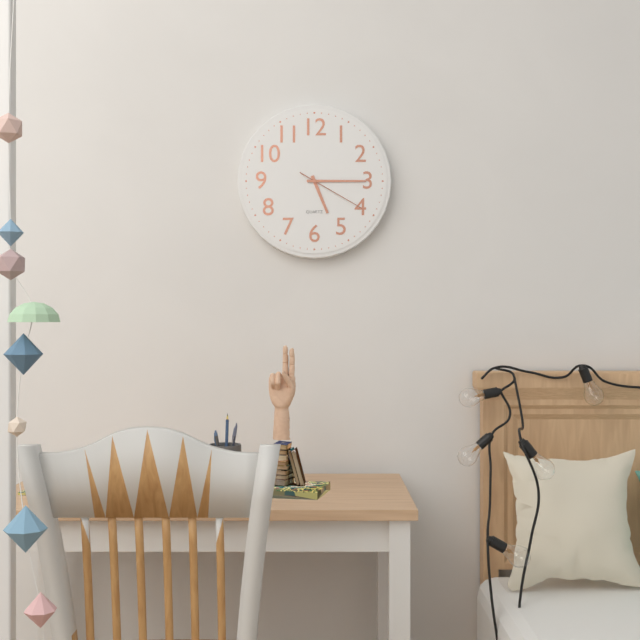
5:15:20
